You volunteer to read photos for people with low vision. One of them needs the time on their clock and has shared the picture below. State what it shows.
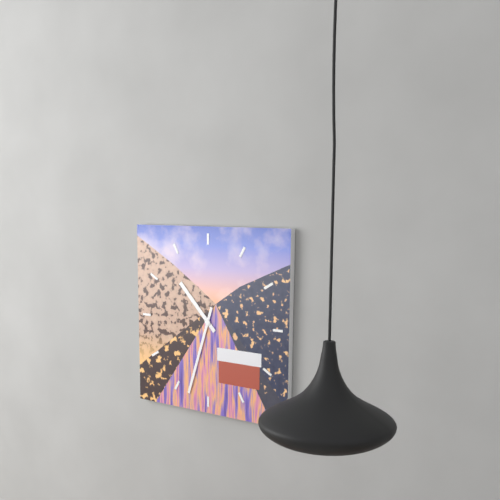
10:33
